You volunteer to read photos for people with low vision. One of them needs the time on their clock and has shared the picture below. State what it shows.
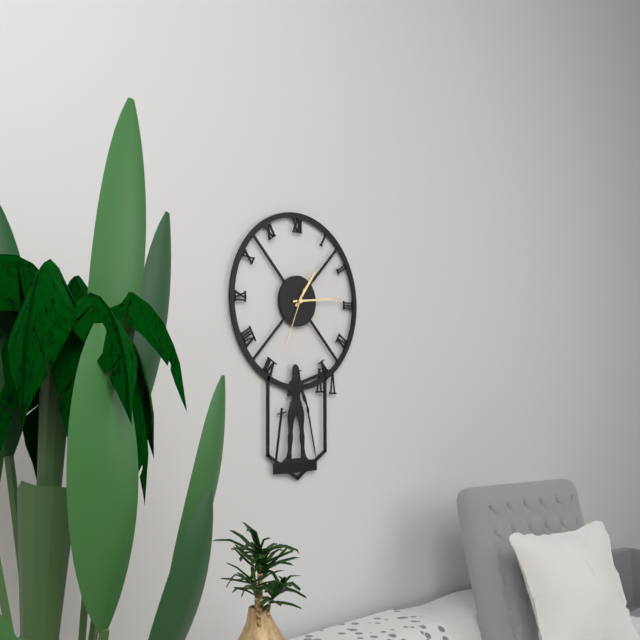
1:14:34
